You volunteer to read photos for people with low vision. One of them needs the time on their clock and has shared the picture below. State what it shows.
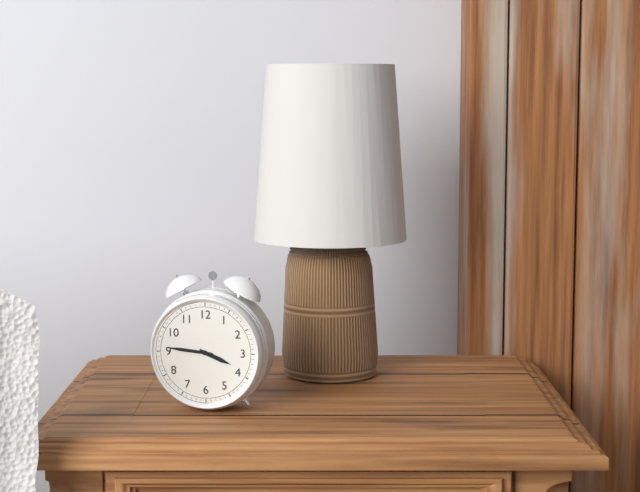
3:46
